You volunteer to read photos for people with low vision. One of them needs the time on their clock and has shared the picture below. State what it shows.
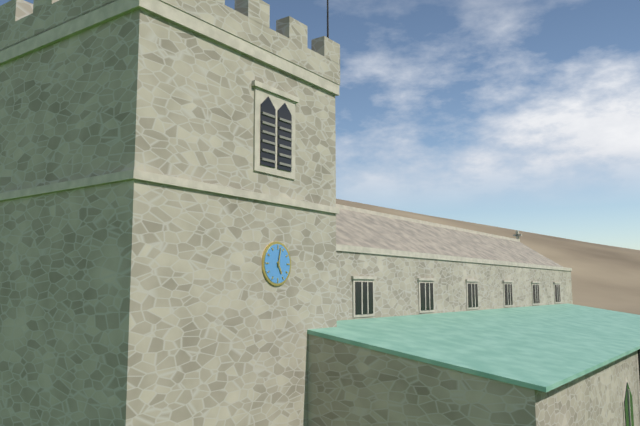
5:02
